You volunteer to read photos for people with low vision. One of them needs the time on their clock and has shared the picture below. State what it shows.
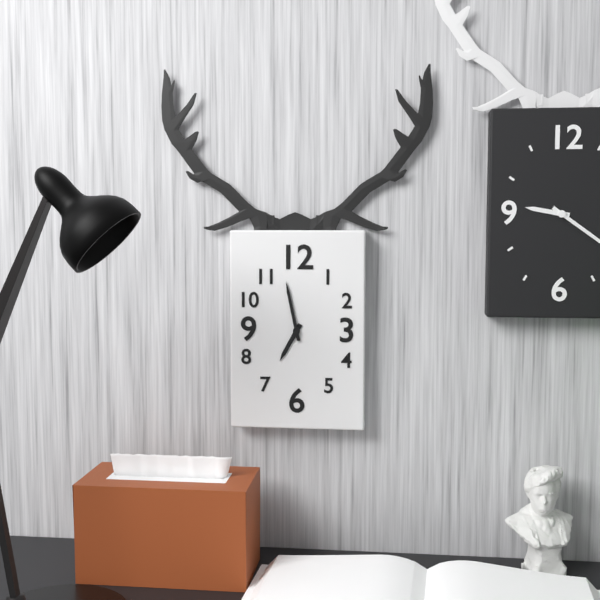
6:58
